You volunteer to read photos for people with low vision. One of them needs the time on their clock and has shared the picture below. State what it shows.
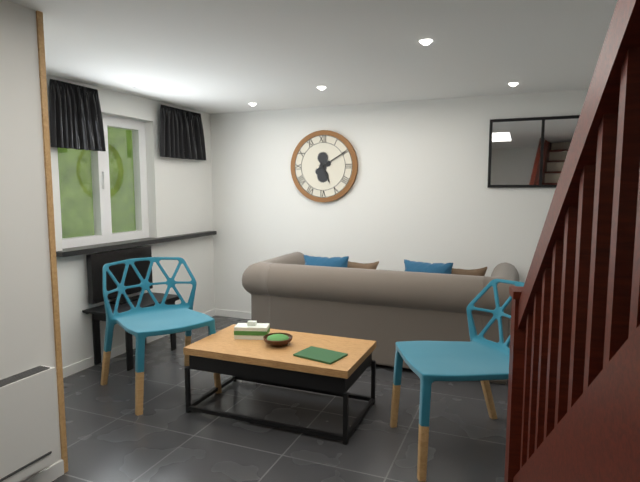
5:10
